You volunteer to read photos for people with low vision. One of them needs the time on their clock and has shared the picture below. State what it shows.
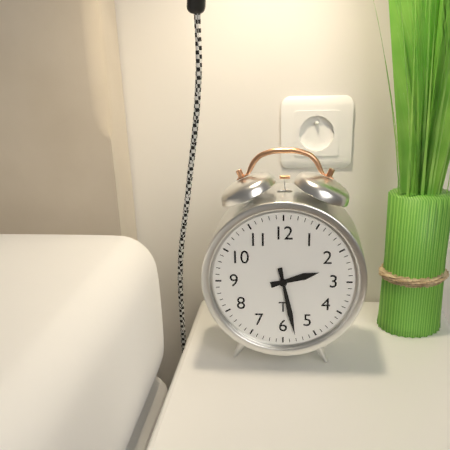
2:28
